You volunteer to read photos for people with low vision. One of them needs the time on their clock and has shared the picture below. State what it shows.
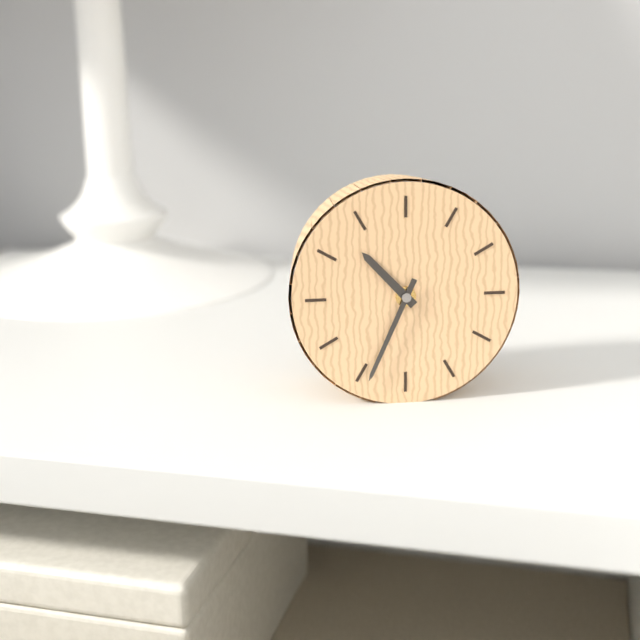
10:34
